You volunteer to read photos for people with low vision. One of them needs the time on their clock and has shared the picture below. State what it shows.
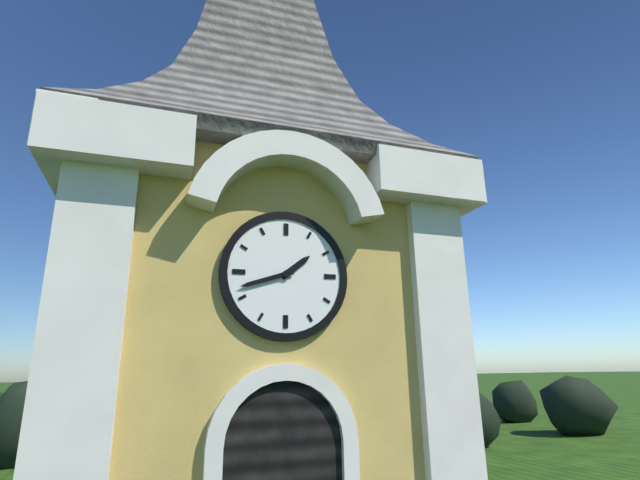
1:42
